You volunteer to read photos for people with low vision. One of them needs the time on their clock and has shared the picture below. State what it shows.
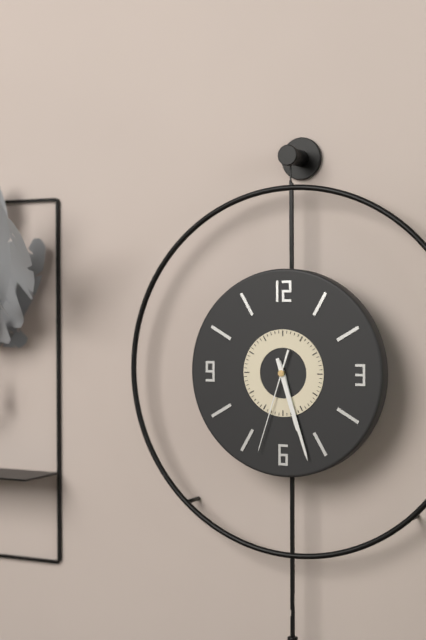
5:27:33
